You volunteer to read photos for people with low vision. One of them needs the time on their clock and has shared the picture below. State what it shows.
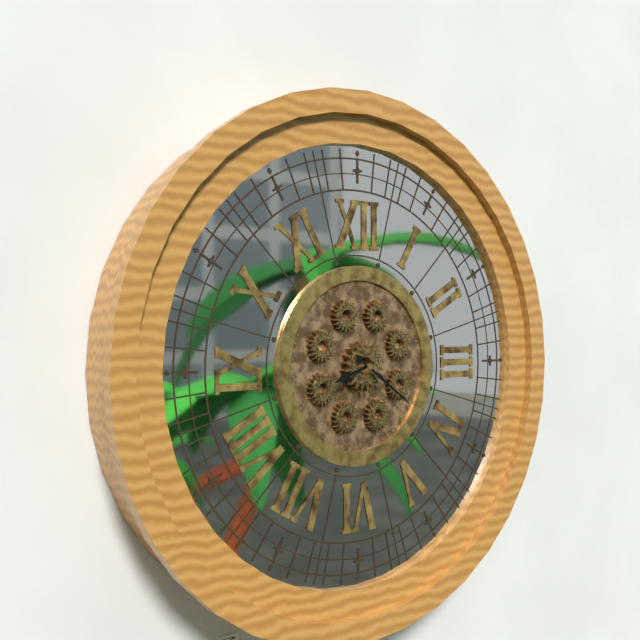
8:21
